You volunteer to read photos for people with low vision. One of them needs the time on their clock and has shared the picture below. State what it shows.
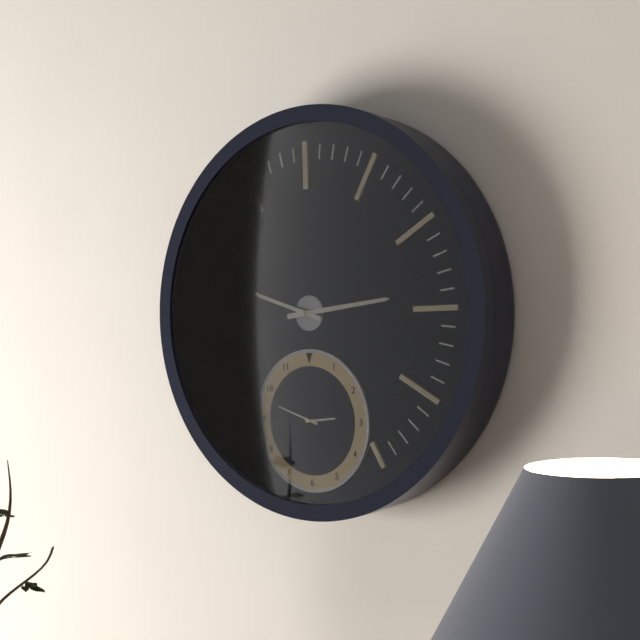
2:48
